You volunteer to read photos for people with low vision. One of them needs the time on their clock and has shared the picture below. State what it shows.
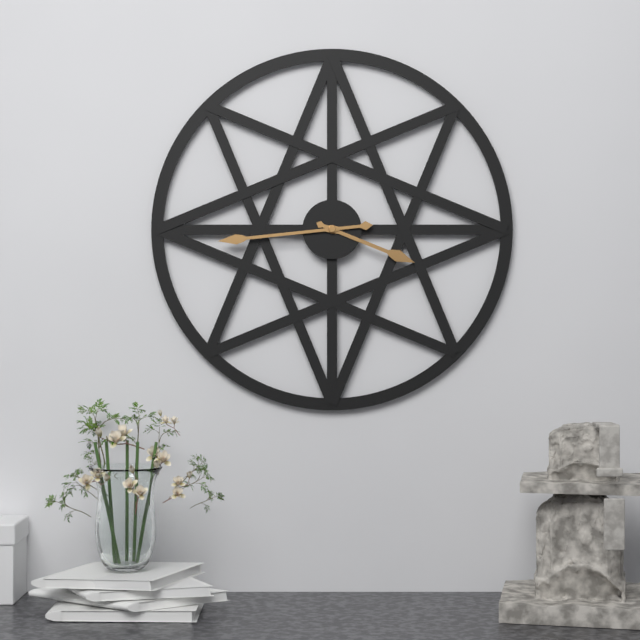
3:44
